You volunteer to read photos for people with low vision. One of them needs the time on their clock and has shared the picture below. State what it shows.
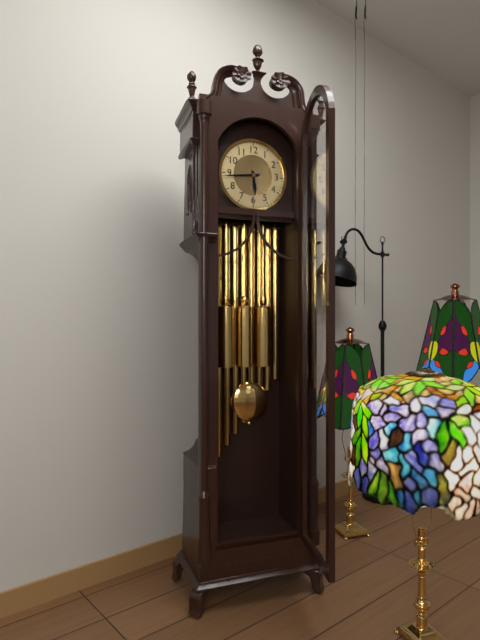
5:44
